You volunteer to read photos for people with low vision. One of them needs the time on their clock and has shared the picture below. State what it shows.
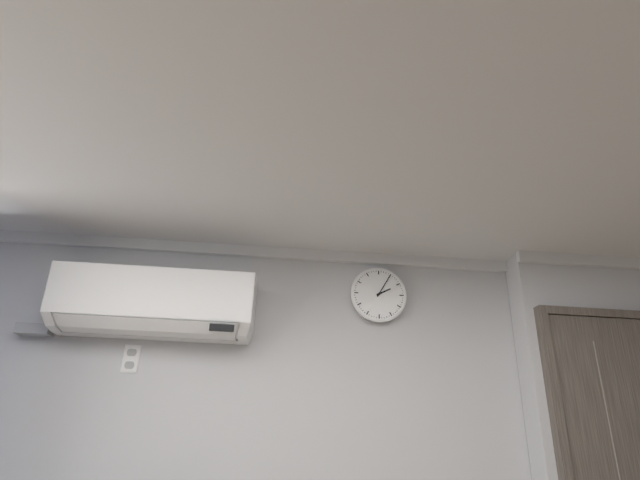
2:05
